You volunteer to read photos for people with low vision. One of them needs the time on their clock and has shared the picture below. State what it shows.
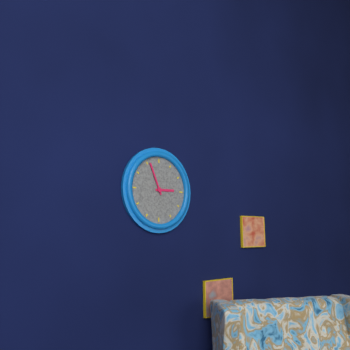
2:56
